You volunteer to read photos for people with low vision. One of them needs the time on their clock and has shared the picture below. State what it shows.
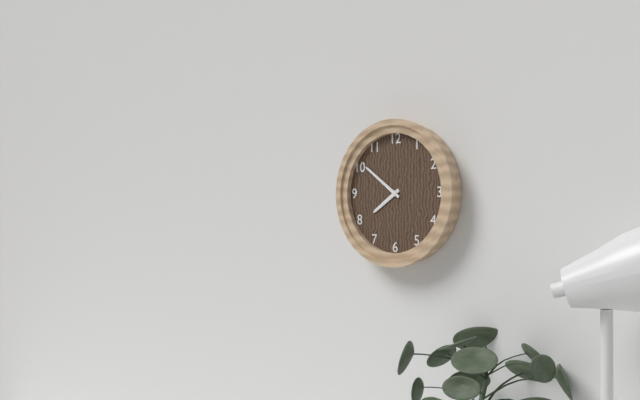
7:51
